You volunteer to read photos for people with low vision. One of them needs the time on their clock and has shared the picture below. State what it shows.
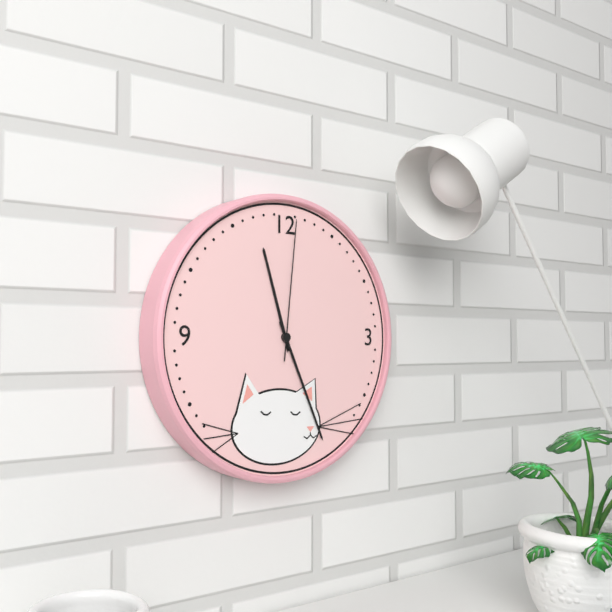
11:26:01
